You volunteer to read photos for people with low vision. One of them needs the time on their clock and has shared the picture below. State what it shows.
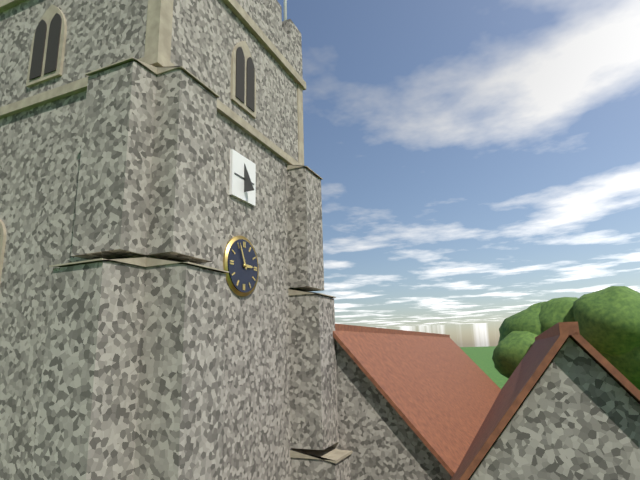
2:56
